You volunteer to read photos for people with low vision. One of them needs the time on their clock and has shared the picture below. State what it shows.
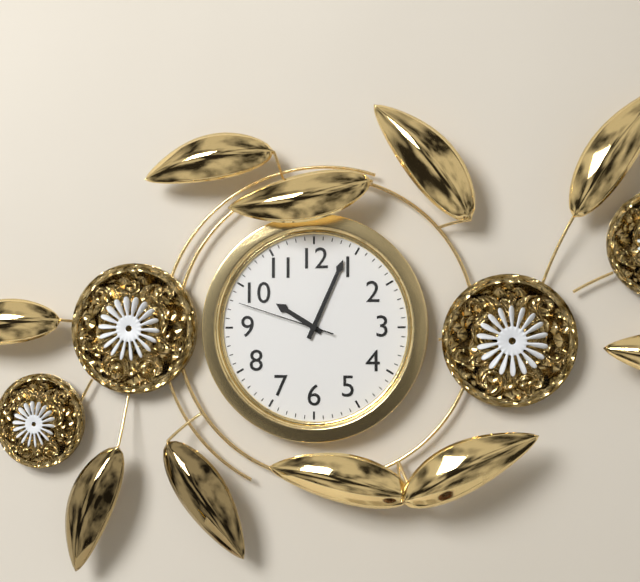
10:04:48
